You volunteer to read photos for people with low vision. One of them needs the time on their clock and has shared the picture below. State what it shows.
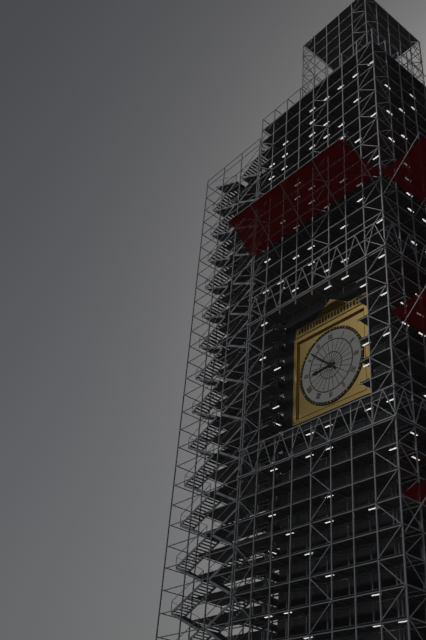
8:52
